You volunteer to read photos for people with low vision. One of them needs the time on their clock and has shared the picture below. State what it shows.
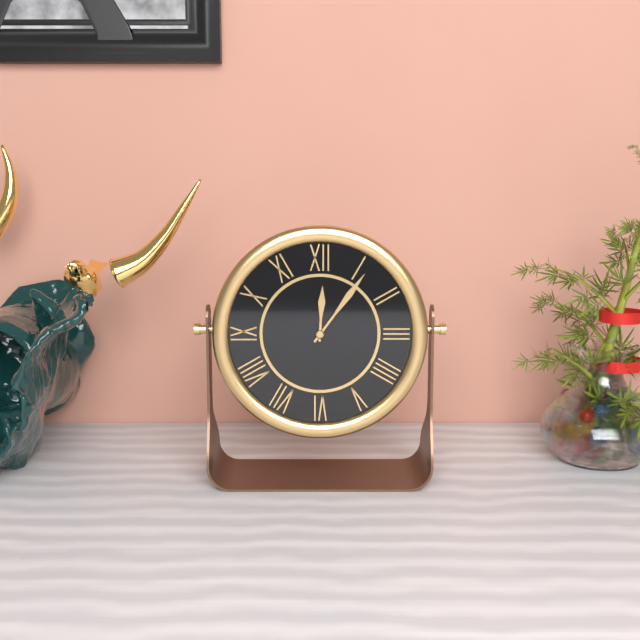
12:06
